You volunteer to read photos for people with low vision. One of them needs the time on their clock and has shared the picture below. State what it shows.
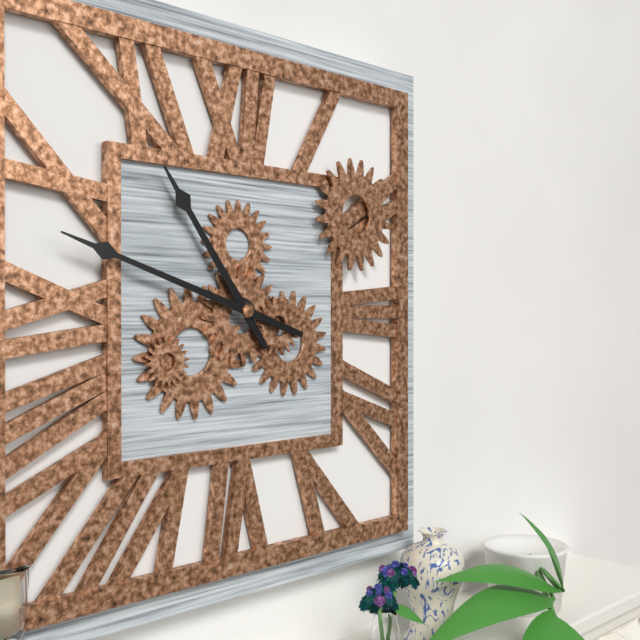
10:48
